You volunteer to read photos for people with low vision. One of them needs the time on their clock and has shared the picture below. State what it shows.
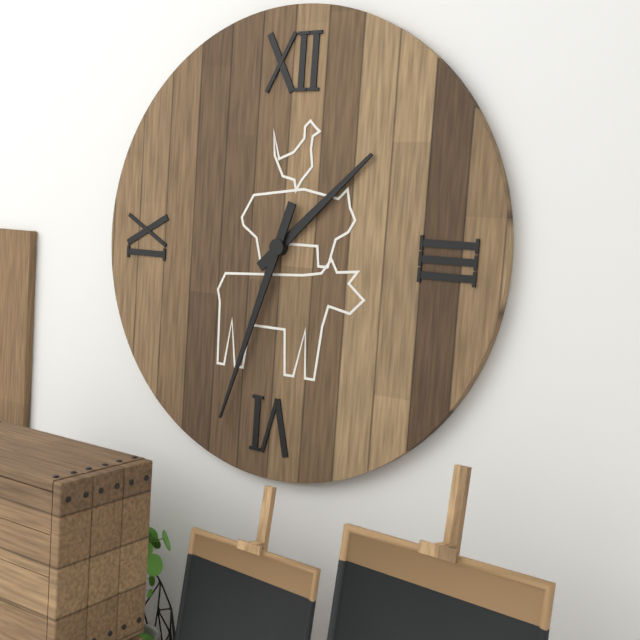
1:33
